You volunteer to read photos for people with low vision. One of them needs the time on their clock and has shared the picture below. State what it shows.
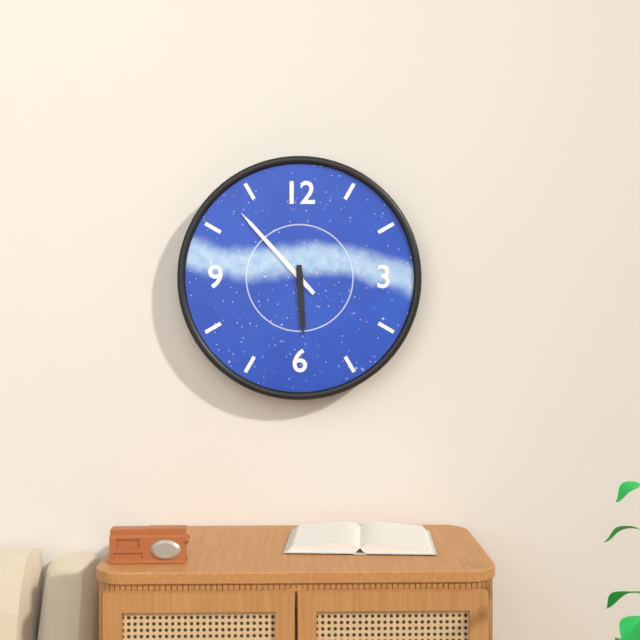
5:53
